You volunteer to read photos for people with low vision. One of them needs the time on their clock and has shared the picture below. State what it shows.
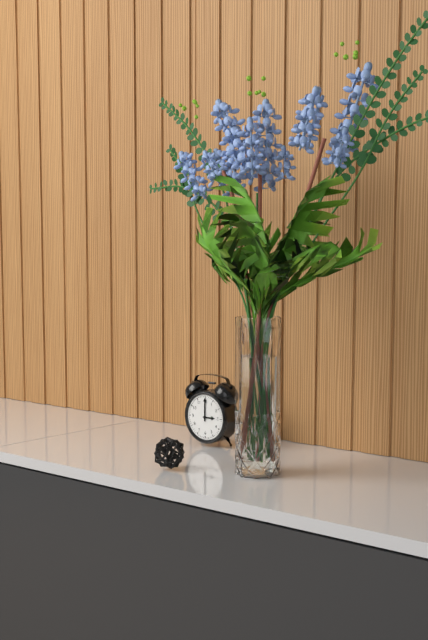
3:00
